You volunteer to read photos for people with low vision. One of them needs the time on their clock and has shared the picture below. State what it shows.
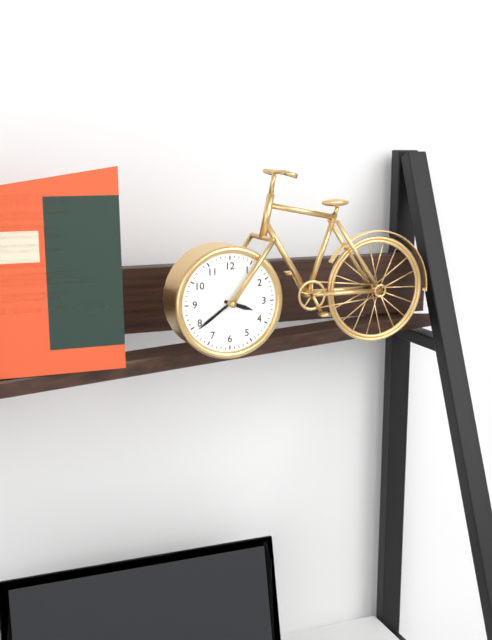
3:39
